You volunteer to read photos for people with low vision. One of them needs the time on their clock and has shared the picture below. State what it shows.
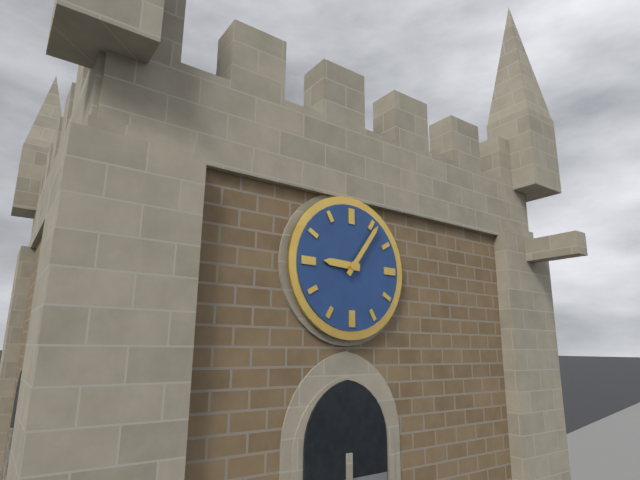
9:06
